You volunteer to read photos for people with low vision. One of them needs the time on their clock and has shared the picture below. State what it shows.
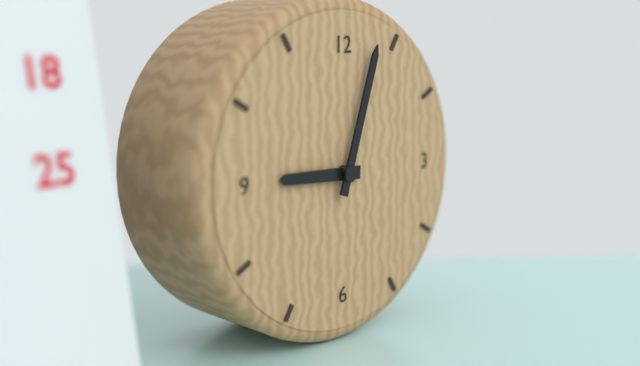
9:03
